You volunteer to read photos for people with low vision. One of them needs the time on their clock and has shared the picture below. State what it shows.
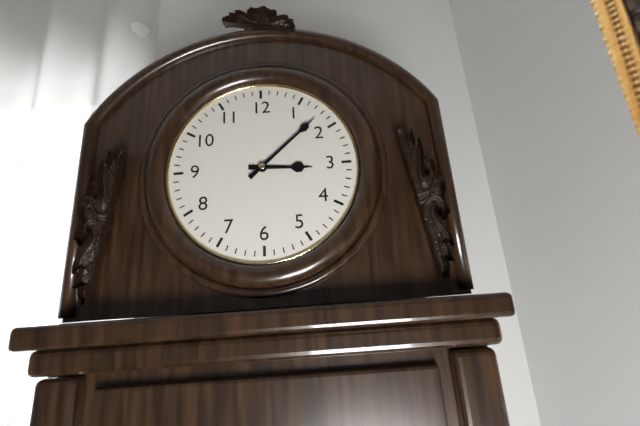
3:08
